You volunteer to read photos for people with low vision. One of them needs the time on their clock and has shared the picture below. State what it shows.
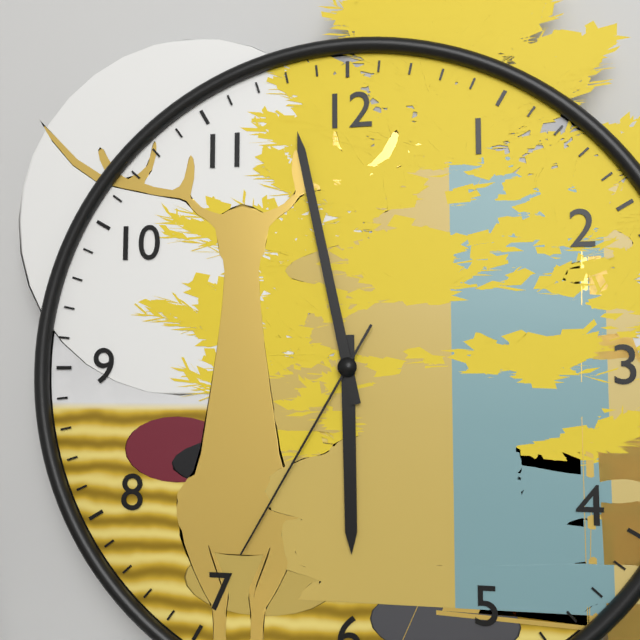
5:58:35
